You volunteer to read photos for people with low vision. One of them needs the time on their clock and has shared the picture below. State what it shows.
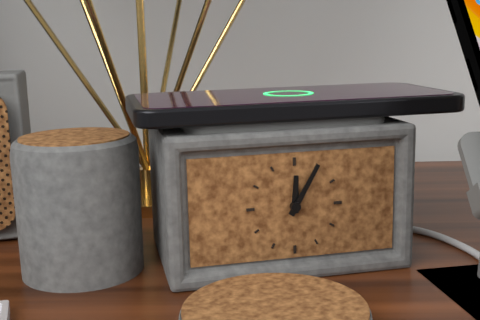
12:05
